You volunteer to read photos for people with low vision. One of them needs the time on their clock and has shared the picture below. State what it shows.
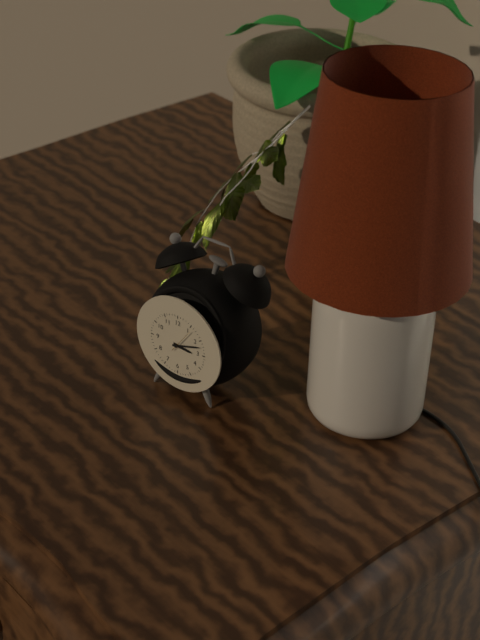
3:12
